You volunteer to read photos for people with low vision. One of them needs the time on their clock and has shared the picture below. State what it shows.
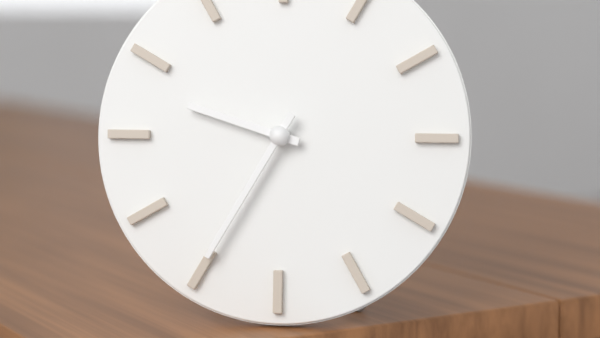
9:35
